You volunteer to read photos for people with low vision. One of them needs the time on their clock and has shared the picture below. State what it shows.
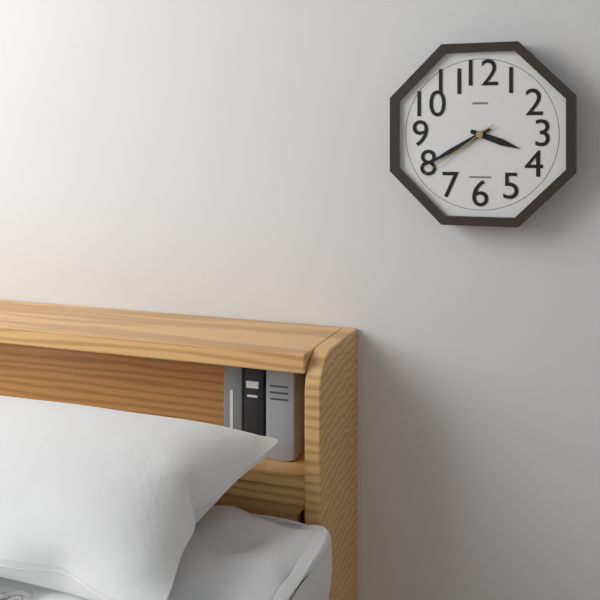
3:40:39
